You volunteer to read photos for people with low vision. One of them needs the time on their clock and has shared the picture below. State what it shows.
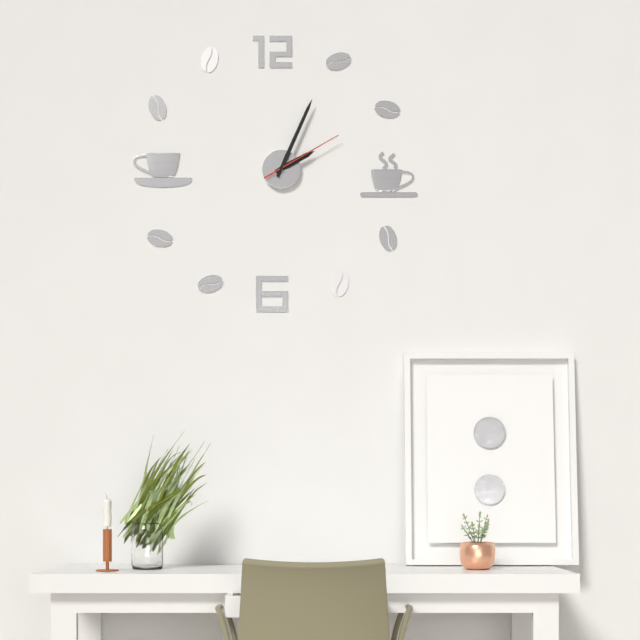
2:04:10
